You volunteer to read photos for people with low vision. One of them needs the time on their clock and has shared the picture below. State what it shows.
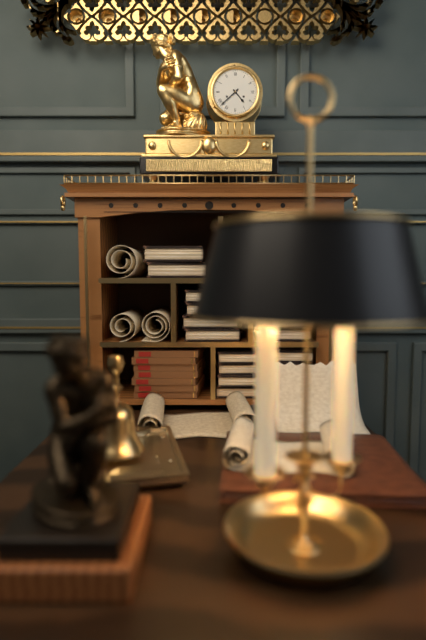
4:38
